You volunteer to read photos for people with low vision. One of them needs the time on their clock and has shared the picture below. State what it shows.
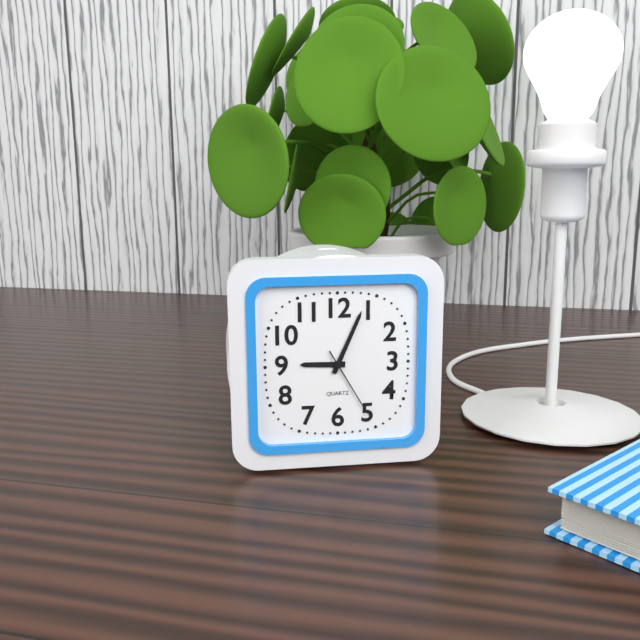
9:04:25
